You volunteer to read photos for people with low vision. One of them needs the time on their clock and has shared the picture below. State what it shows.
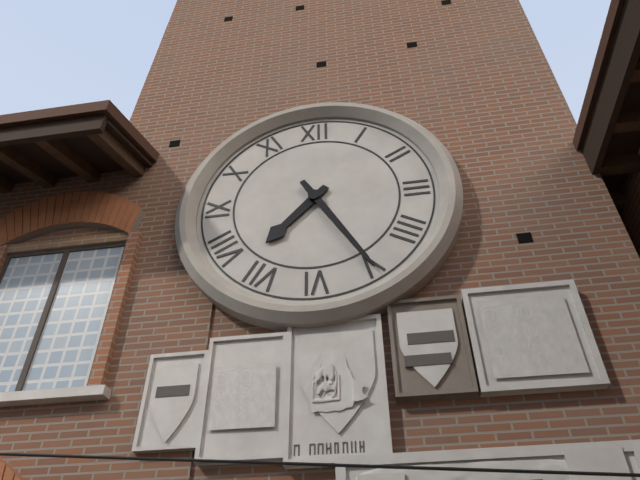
7:25
